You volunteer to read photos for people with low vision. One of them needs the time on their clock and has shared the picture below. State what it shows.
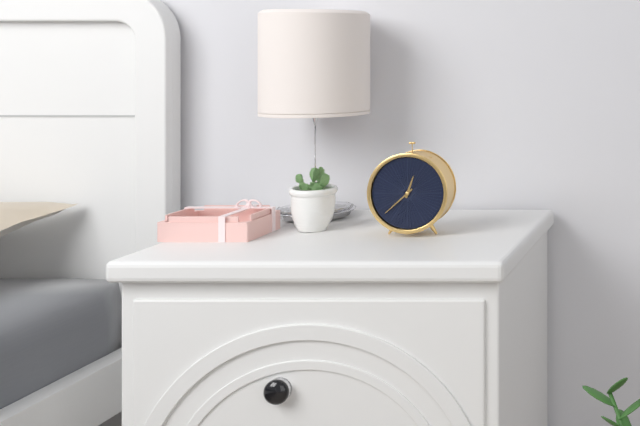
12:38
